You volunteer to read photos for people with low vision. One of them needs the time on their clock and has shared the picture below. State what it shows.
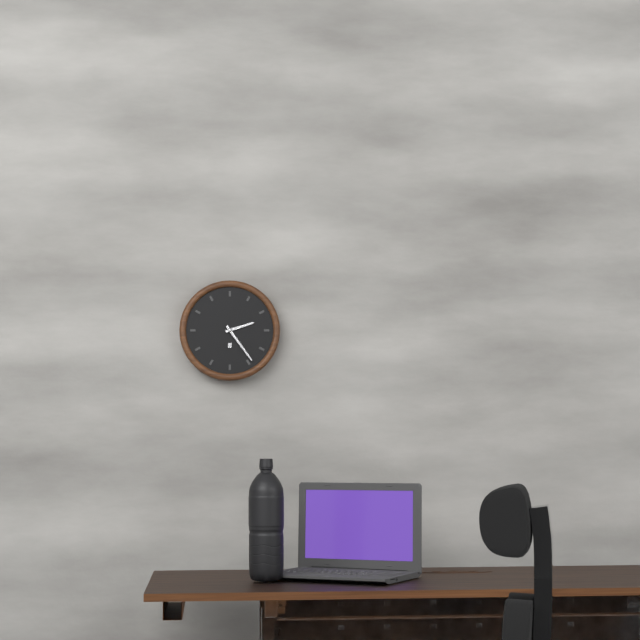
2:24
